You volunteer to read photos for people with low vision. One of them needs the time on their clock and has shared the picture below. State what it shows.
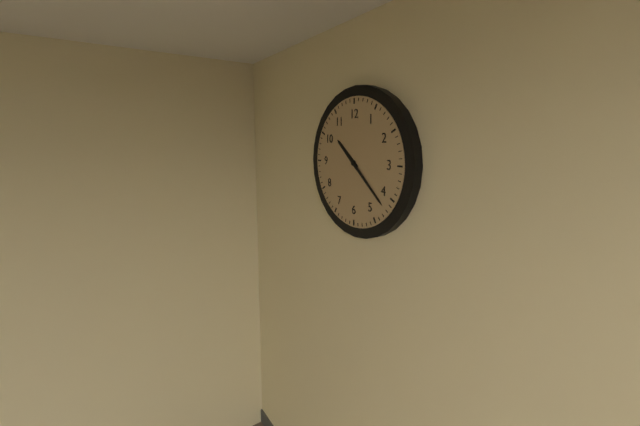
10:22
